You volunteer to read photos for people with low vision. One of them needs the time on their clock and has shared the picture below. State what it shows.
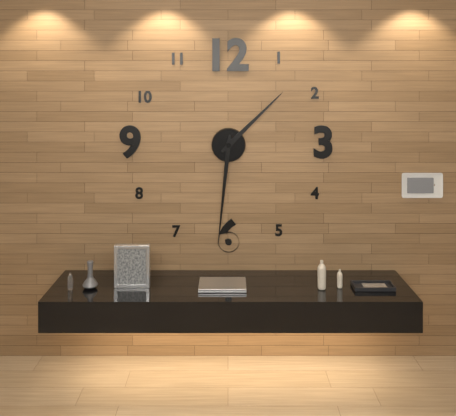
1:31
